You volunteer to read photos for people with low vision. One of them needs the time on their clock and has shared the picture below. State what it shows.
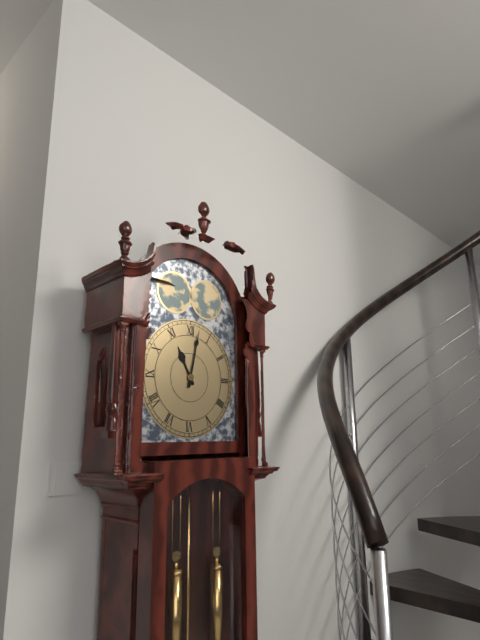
11:02
